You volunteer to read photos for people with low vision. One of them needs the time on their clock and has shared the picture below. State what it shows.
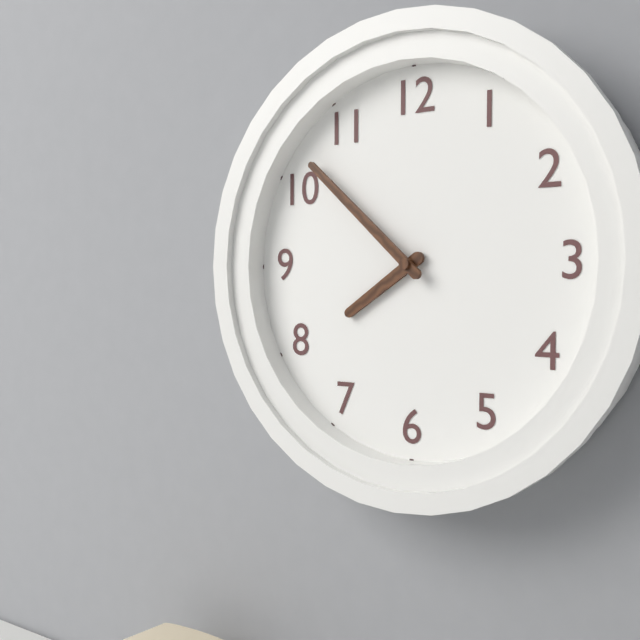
7:52
